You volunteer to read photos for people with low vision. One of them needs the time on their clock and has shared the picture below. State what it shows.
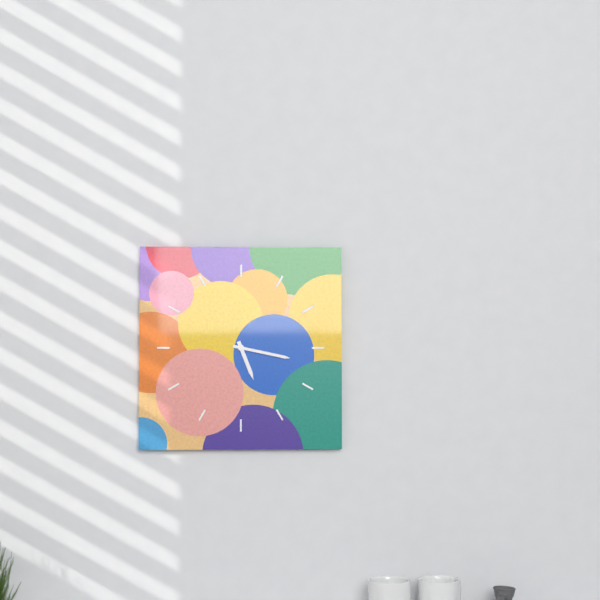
5:17
